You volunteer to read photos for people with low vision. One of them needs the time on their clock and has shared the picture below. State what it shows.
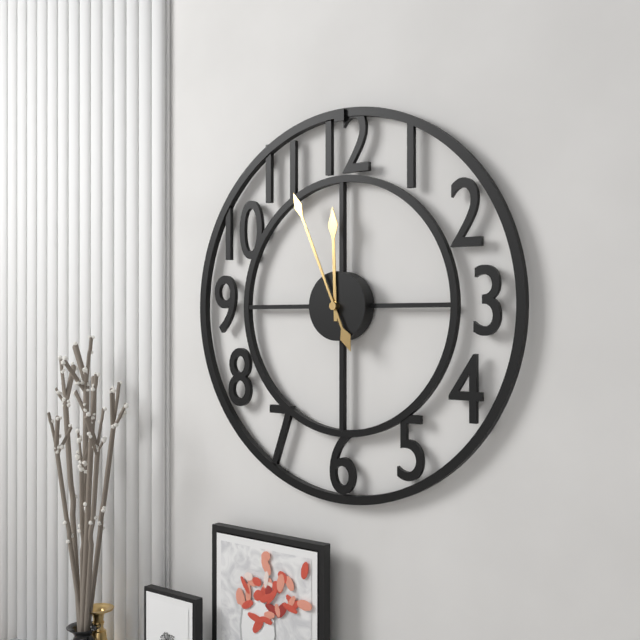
11:56
